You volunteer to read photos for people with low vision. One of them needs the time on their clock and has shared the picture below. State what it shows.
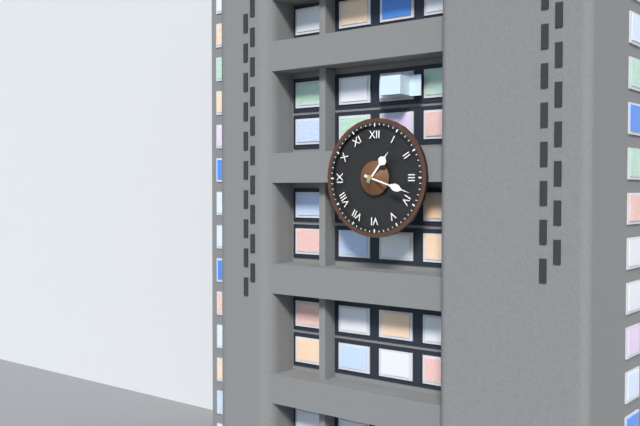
1:18
